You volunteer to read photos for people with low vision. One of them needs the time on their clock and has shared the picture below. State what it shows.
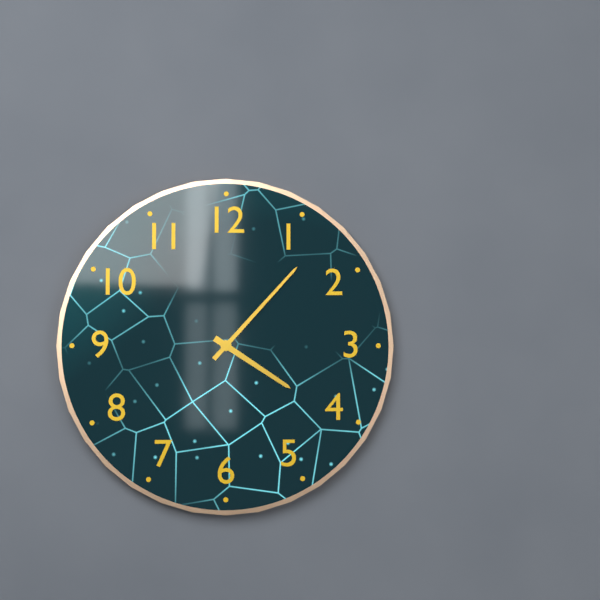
4:07
